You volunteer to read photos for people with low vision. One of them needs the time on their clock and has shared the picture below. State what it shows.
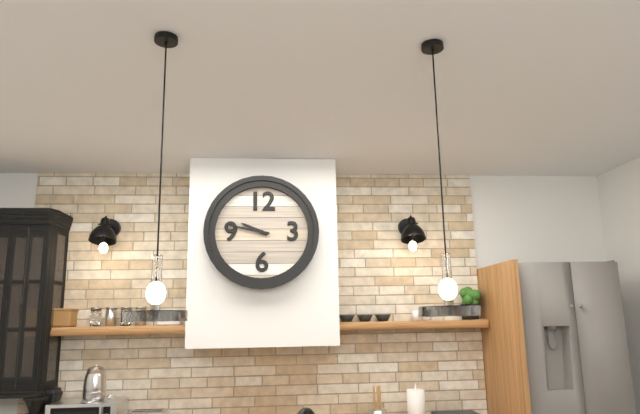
9:47
